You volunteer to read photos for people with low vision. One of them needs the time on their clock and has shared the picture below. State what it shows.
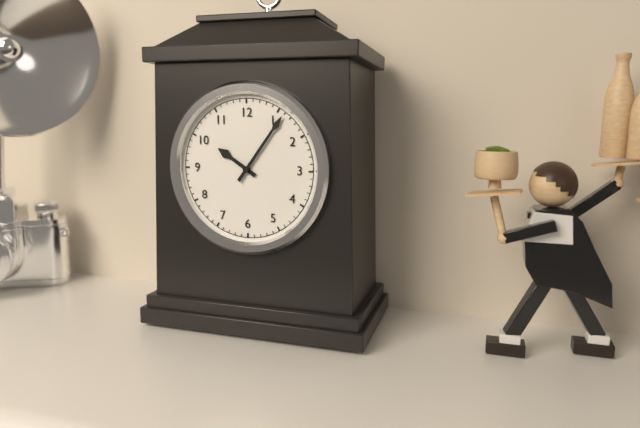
10:06
